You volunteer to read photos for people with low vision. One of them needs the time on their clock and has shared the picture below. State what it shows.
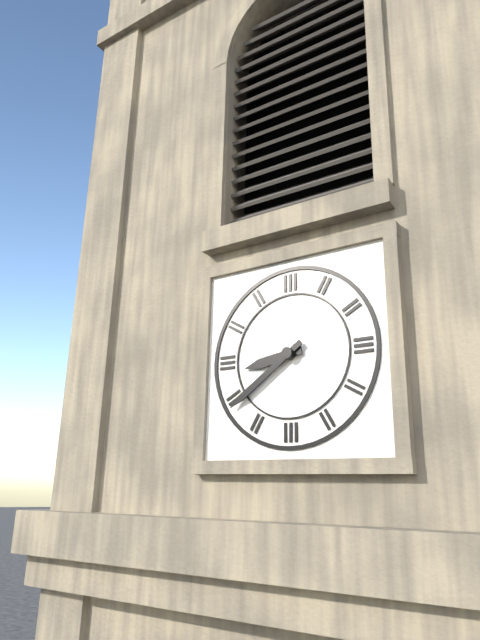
8:39
